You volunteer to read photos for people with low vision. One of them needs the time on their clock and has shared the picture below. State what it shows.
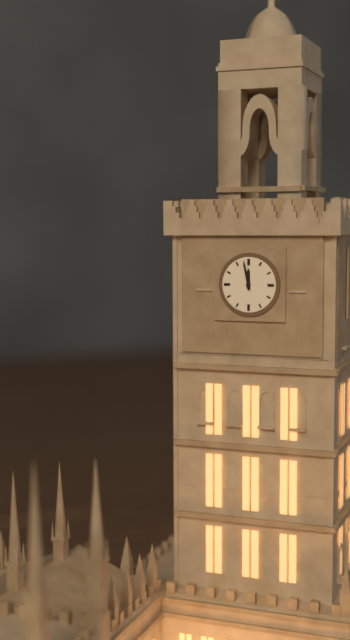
11:58
